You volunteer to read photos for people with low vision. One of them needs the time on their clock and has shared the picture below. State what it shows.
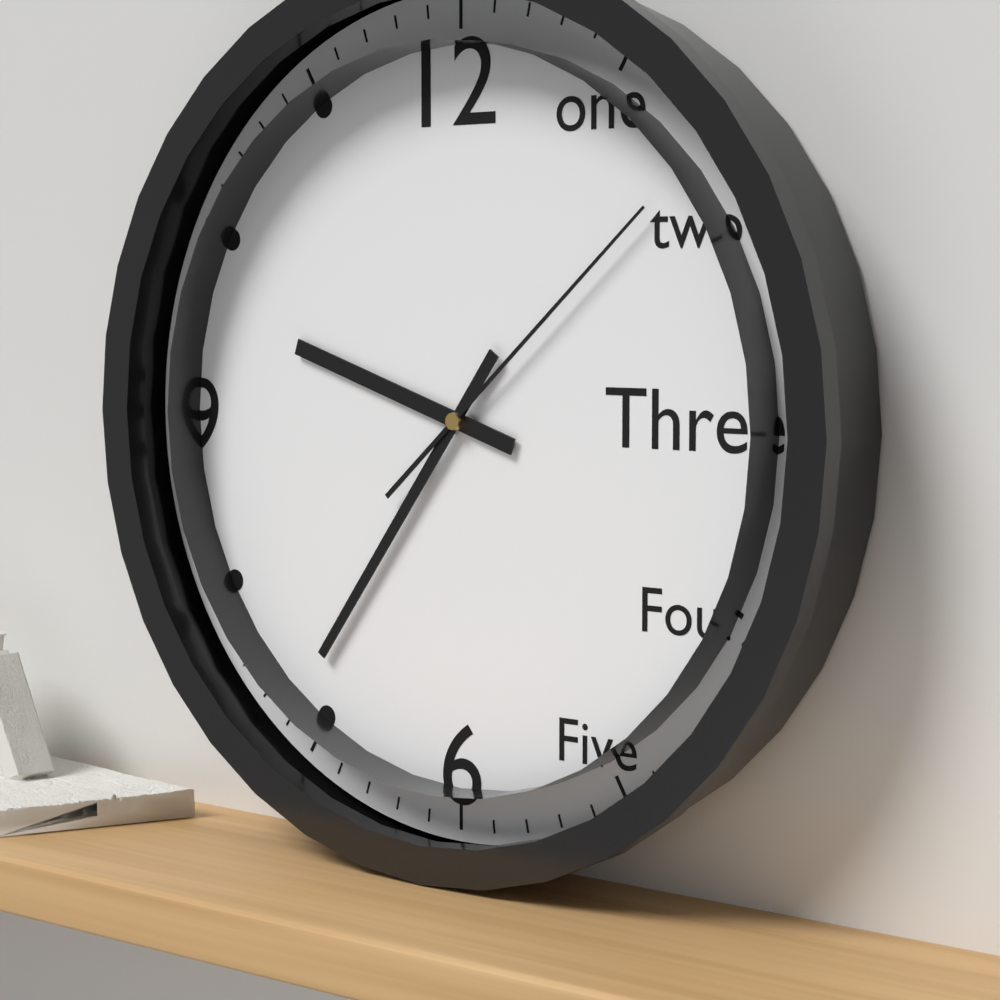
9:36:08
